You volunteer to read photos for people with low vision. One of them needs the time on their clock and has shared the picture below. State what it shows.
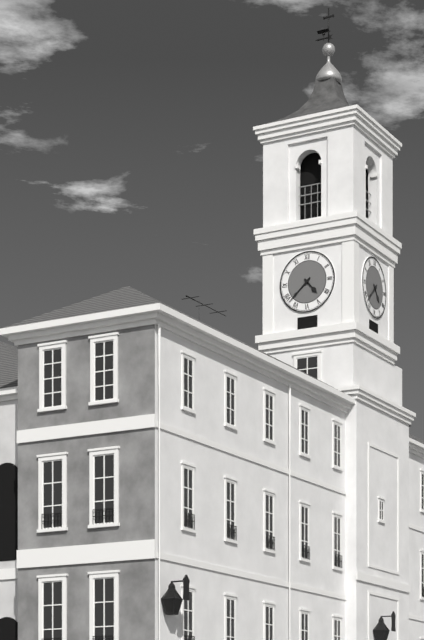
4:38
